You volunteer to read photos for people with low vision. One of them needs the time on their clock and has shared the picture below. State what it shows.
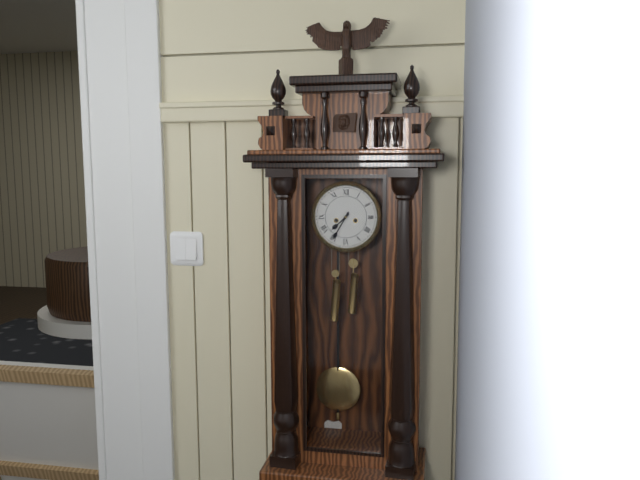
7:35
